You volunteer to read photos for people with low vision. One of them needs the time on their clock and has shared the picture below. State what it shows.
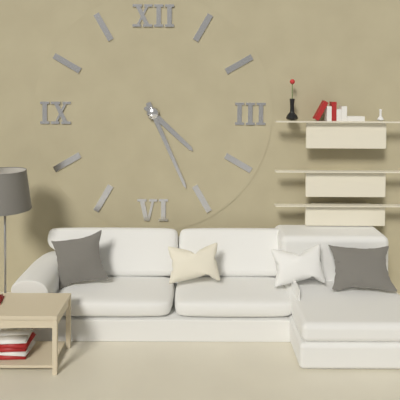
4:26
